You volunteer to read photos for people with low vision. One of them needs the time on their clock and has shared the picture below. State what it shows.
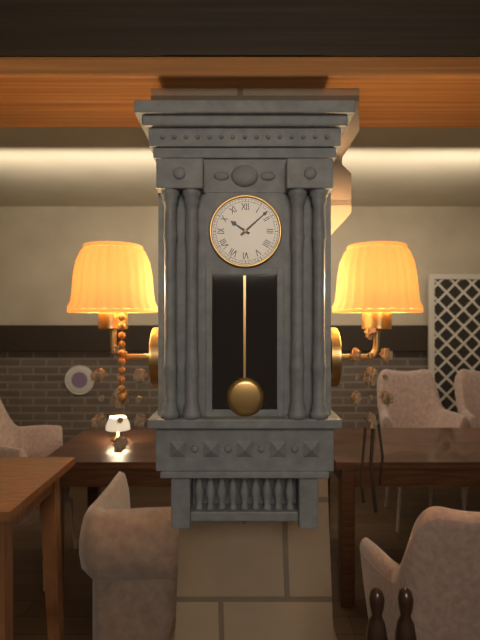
10:08
